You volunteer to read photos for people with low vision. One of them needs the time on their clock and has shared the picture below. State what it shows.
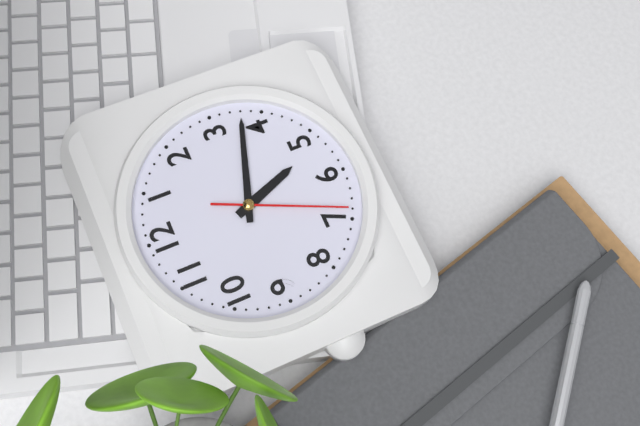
5:18:34
